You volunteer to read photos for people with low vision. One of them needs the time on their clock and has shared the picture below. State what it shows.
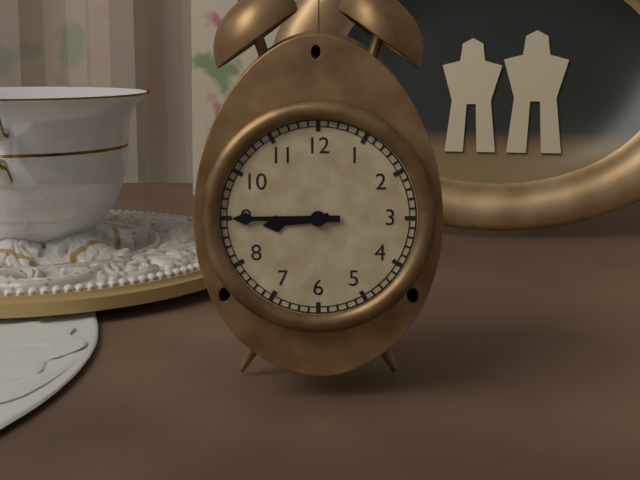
8:45
